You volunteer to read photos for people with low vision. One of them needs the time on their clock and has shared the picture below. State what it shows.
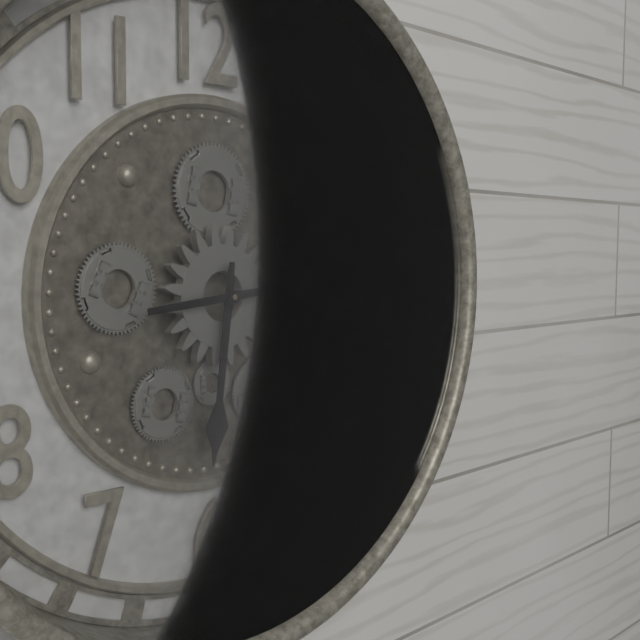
6:14
